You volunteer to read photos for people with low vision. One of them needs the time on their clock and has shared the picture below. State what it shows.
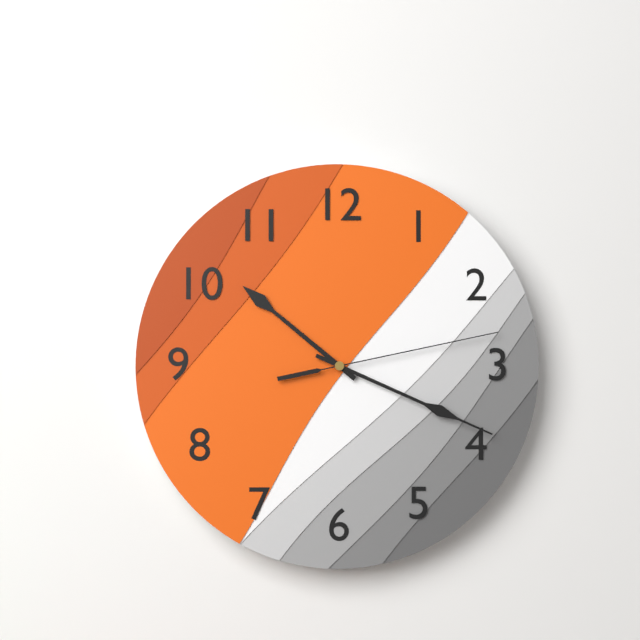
10:19:13
